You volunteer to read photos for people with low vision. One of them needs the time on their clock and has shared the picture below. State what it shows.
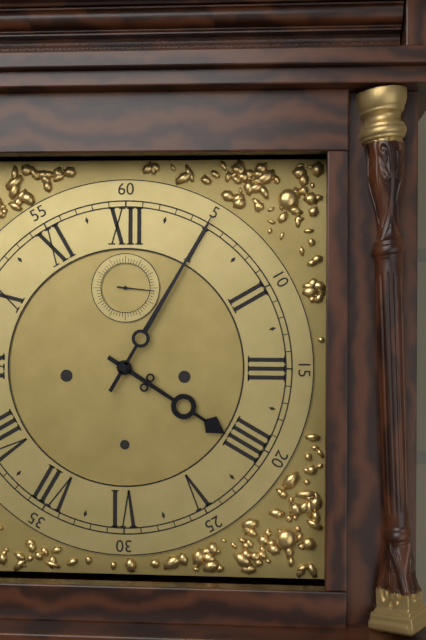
4:05
